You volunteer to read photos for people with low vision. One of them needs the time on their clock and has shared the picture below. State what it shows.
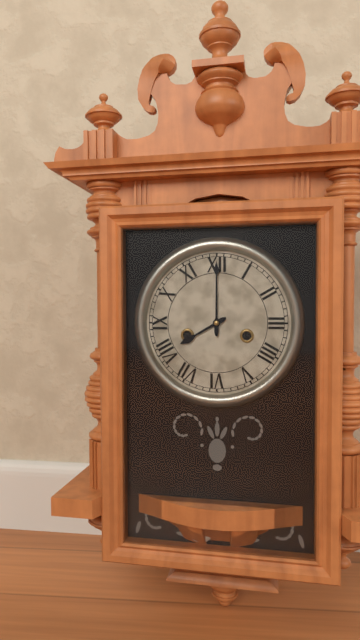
8:00
